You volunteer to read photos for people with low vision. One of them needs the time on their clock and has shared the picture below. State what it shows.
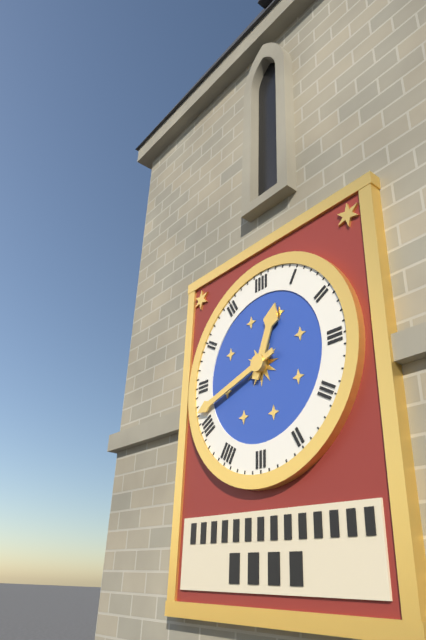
12:42
